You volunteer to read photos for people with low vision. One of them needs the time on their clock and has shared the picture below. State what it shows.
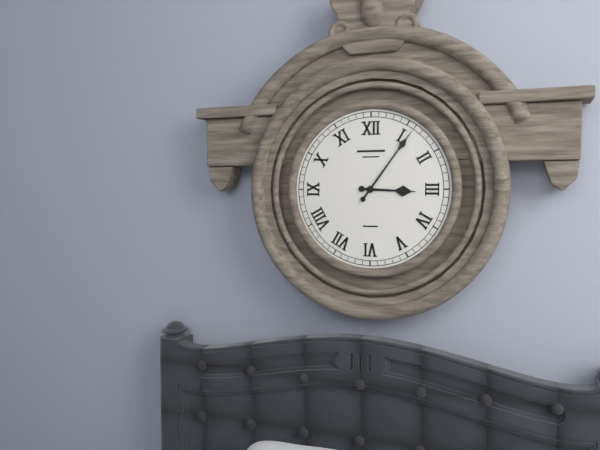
3:06
